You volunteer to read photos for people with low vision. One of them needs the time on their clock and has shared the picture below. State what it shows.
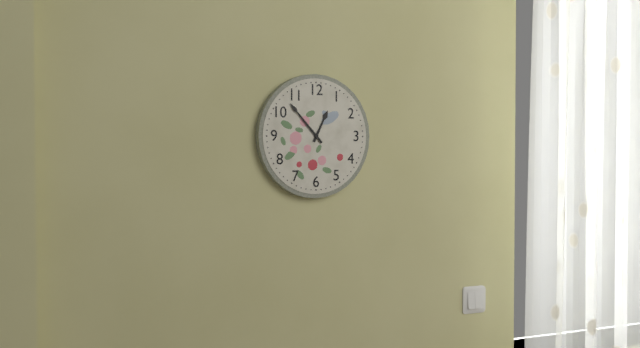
12:53
